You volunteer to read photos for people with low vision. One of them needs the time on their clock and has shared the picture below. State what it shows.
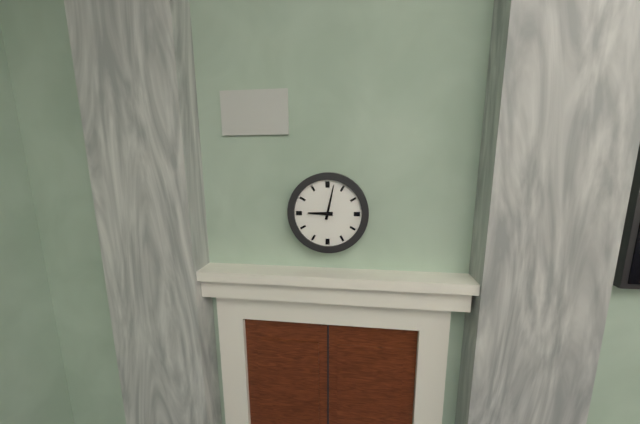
9:02
